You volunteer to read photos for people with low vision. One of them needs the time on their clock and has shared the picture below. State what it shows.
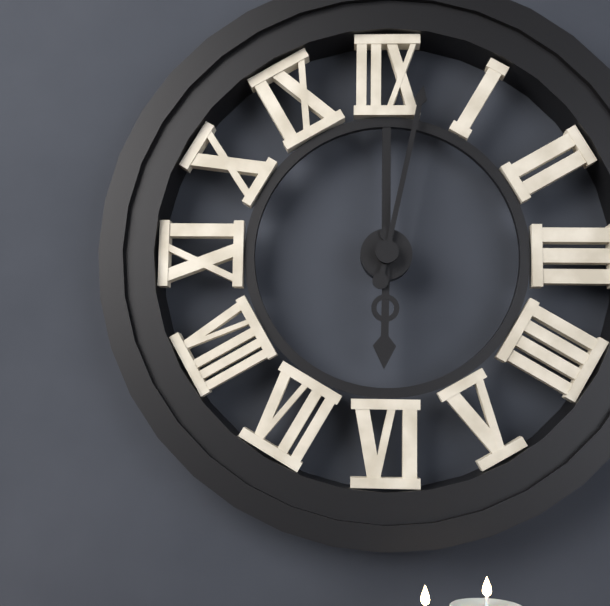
6:02
